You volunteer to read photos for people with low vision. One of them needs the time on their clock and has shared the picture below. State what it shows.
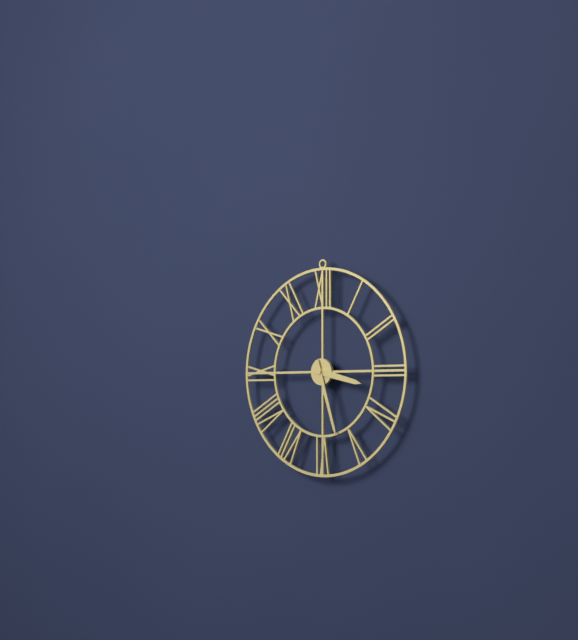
3:27
